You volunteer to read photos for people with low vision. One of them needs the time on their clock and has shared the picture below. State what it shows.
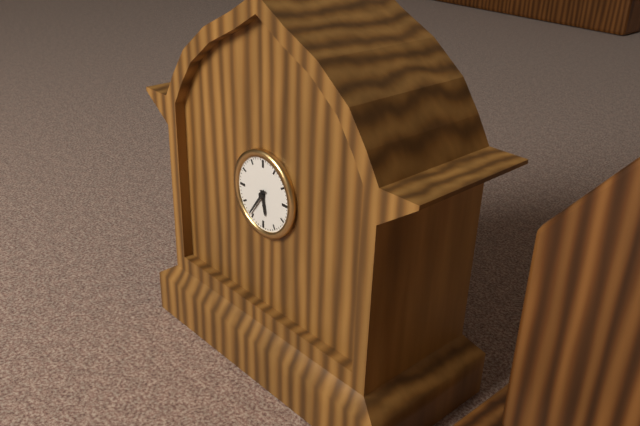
5:36
